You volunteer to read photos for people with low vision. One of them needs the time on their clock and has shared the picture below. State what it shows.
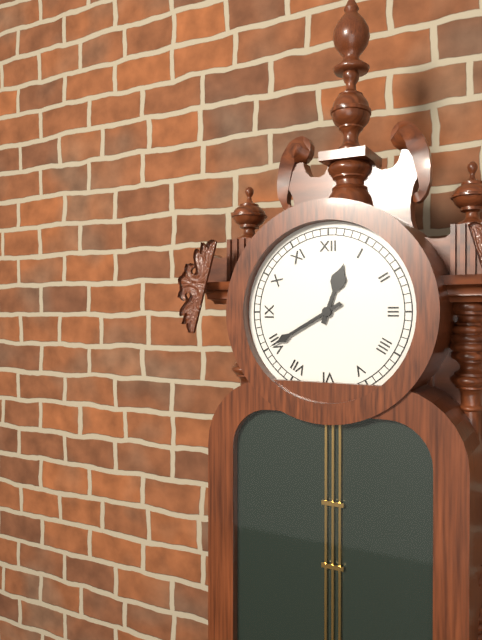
12:40
